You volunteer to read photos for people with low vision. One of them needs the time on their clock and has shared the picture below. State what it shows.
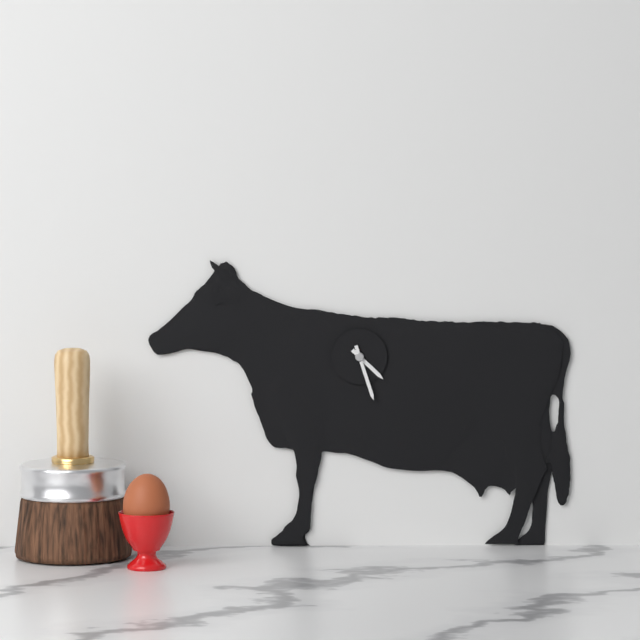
4:27
